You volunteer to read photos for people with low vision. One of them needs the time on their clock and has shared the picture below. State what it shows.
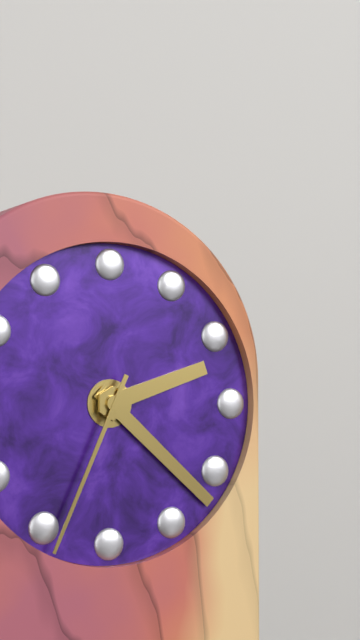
2:22:34
